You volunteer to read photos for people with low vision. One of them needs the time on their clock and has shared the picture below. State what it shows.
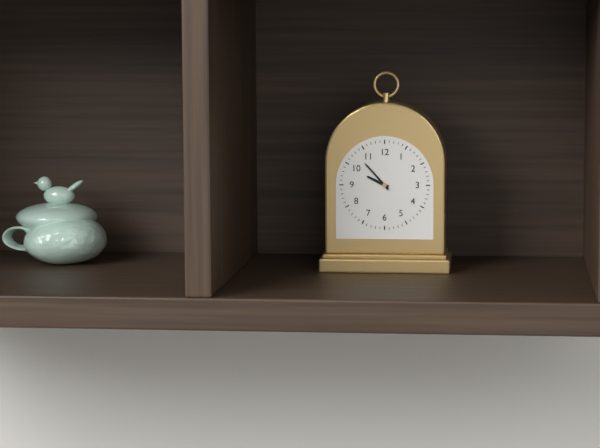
9:53
